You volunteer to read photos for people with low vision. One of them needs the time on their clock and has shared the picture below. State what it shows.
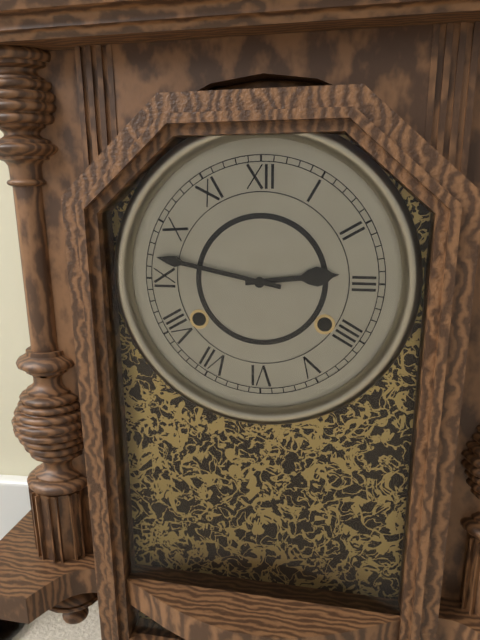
2:47
